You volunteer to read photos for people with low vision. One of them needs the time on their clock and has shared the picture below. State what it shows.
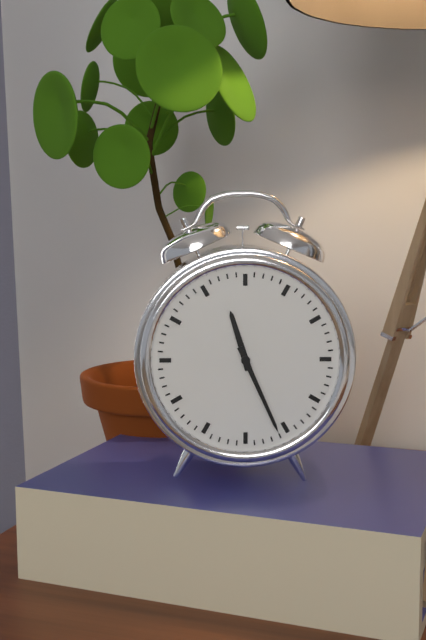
11:26
